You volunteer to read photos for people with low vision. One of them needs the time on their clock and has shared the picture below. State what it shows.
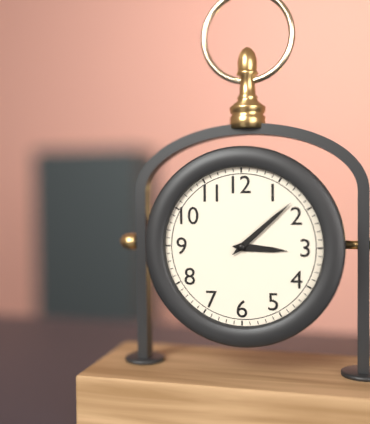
3:08
